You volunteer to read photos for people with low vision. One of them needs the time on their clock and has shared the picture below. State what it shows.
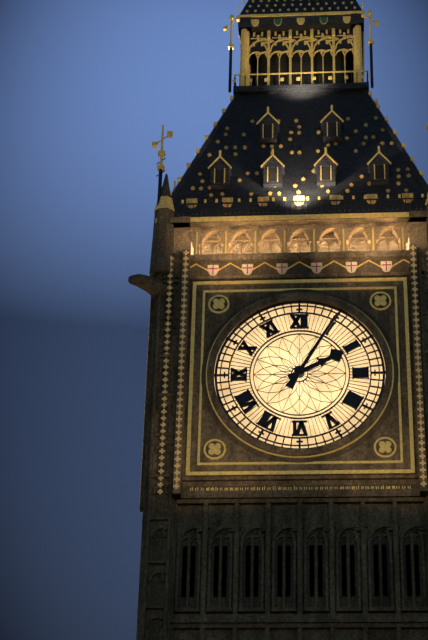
2:05
